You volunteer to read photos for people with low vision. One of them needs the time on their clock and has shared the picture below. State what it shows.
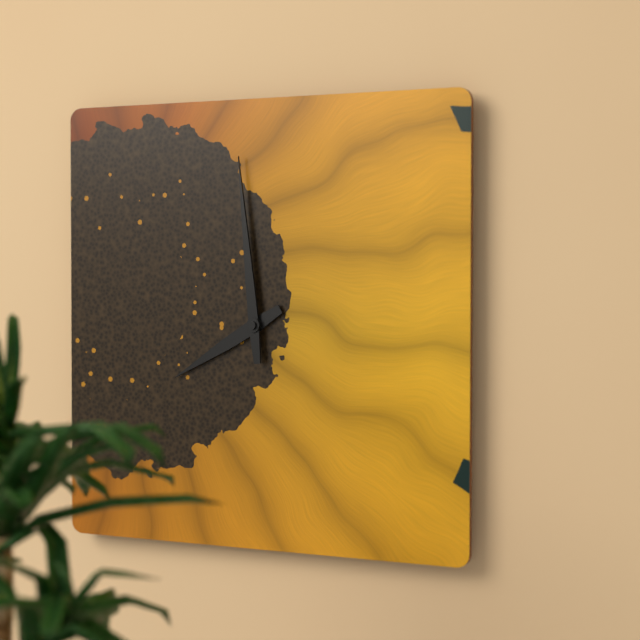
7:59
